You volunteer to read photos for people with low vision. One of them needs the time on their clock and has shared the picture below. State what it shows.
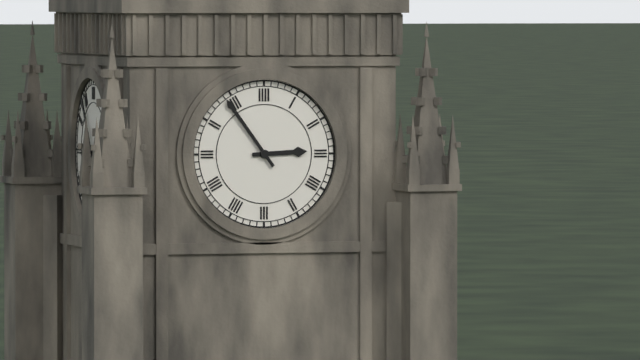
2:54
